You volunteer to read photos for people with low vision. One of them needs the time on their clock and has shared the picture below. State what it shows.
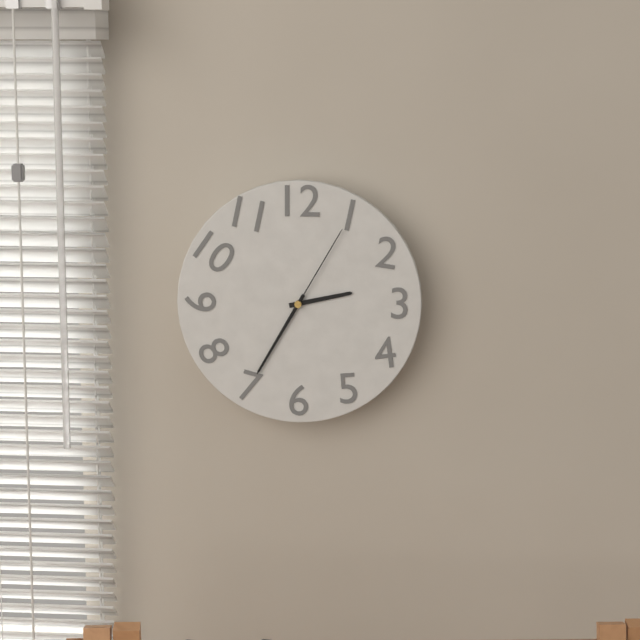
2:35:05
